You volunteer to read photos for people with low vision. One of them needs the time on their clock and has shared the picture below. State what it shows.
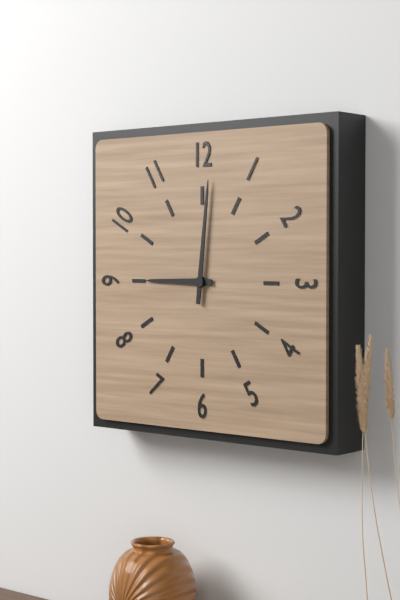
9:01
